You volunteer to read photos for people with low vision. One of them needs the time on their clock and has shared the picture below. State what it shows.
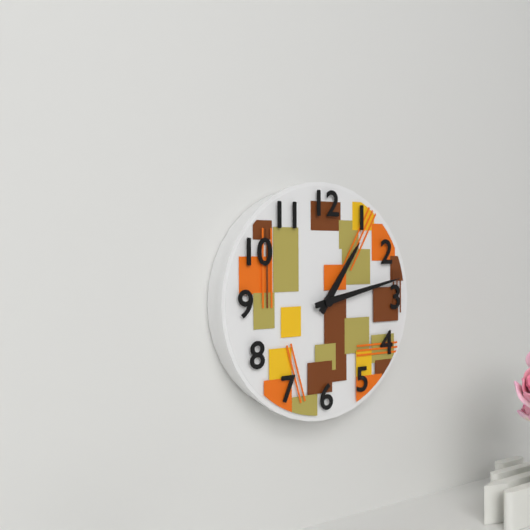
1:13
